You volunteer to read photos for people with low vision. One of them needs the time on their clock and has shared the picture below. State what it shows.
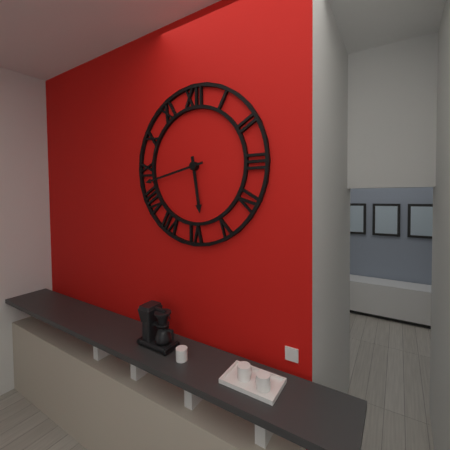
5:43
